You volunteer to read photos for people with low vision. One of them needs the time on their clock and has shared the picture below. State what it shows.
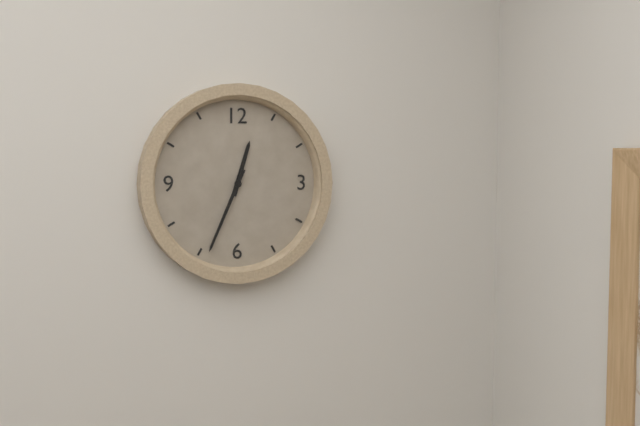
12:34
